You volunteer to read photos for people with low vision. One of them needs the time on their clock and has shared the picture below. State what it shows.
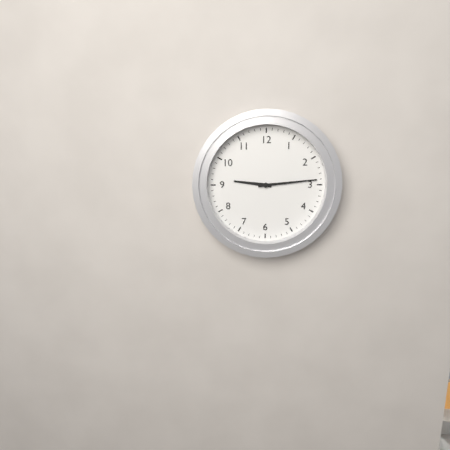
9:14
